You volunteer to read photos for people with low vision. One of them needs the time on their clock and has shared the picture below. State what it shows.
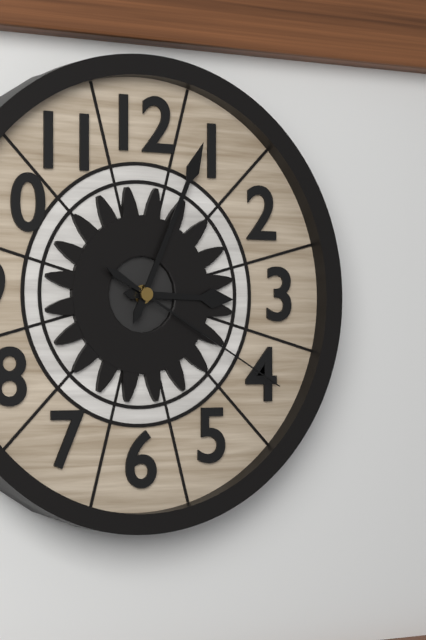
3:04:20
